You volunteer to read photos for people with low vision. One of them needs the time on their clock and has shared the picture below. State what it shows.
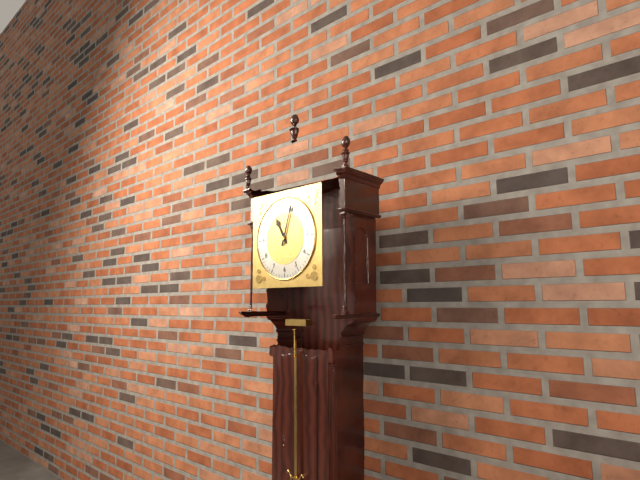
11:03
